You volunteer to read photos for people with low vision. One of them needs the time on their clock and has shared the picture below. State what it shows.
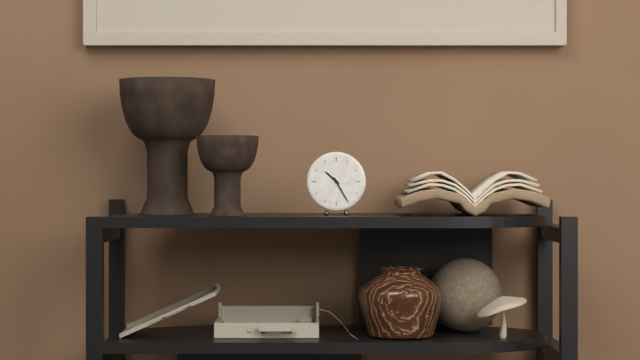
10:25
